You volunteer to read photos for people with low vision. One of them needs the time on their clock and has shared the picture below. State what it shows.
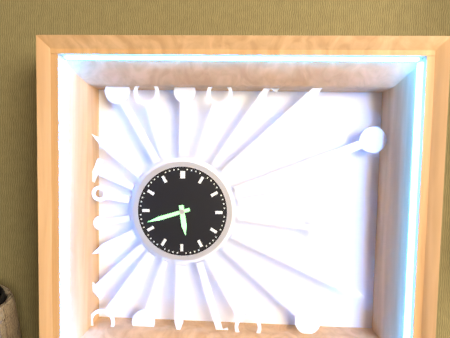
5:42
